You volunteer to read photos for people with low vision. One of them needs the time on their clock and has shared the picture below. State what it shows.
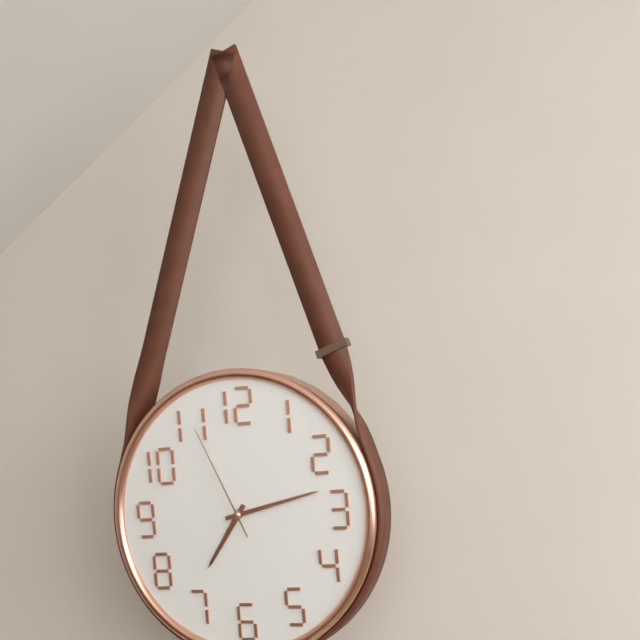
7:13:56
